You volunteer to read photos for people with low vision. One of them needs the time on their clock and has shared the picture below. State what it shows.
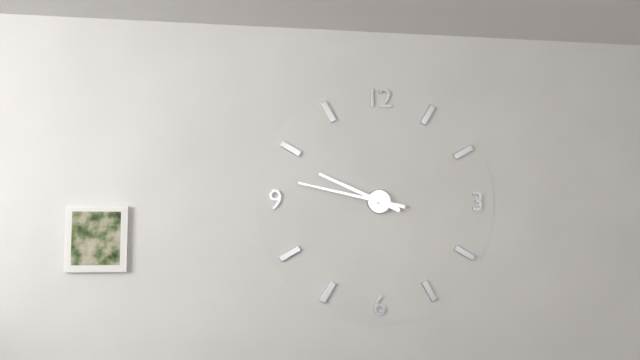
9:47
